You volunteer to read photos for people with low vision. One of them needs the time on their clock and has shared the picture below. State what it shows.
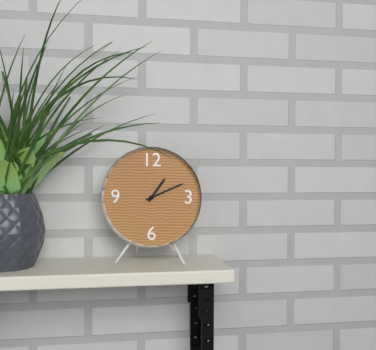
1:11
